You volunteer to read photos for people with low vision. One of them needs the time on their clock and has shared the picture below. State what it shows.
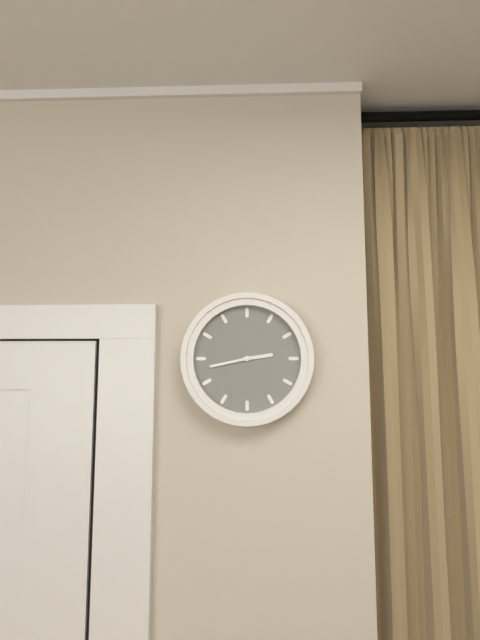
2:43
